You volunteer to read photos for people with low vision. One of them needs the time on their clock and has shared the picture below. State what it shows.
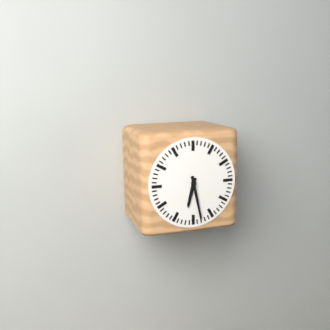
6:28
